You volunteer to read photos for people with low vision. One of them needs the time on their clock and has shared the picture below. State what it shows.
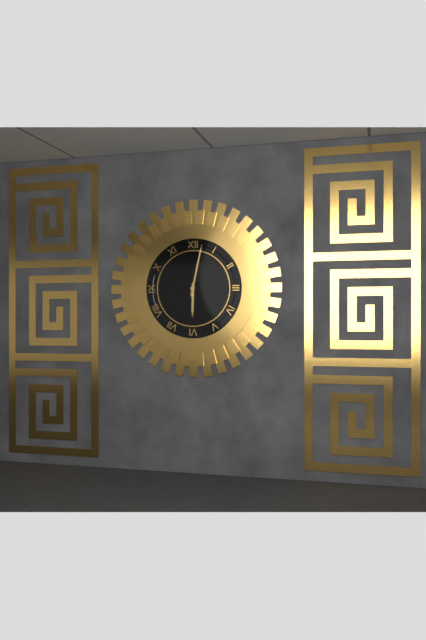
6:02
